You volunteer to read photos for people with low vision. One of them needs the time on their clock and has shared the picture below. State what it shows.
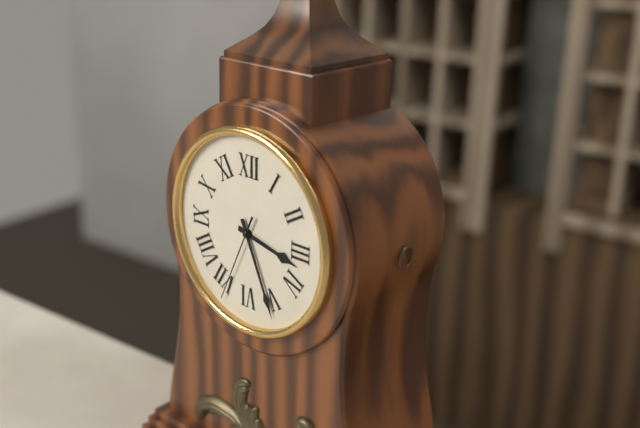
3:26:34
